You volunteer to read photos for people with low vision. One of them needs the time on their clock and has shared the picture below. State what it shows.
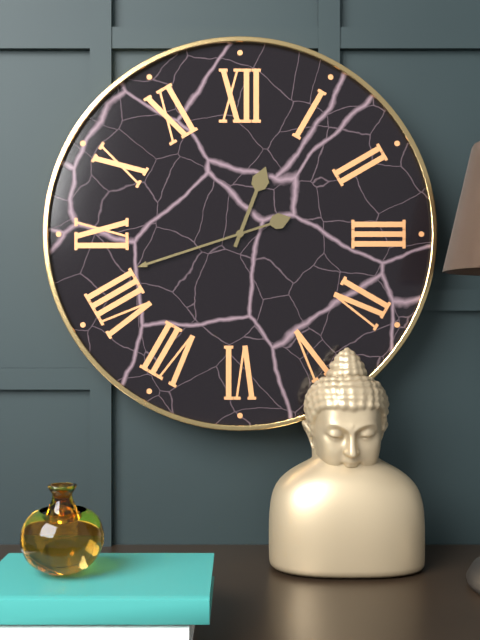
12:42
